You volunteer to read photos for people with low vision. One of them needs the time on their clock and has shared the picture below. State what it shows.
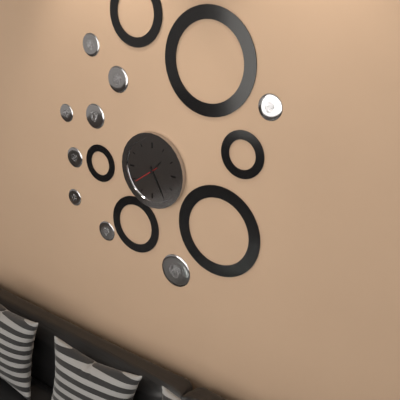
1:25
